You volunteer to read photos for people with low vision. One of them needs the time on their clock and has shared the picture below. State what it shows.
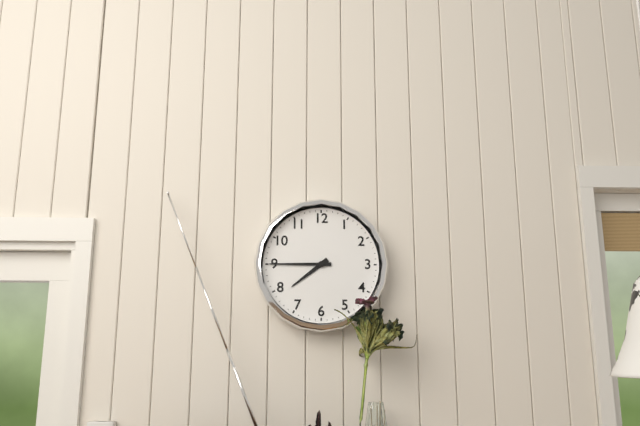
7:45
